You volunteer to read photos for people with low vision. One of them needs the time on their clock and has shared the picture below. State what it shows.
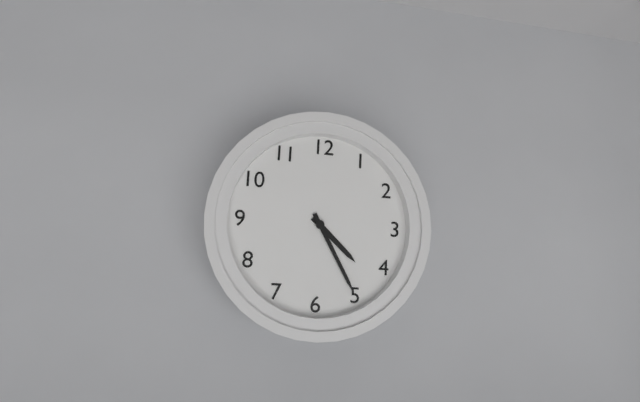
4:25
